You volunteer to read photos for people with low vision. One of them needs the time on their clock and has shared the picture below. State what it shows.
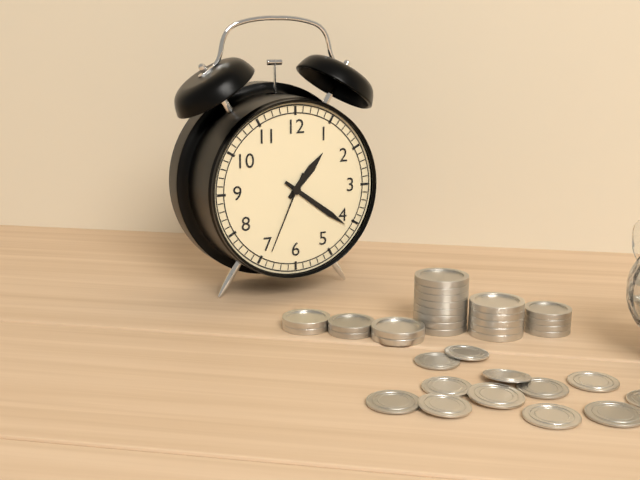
1:21:34
